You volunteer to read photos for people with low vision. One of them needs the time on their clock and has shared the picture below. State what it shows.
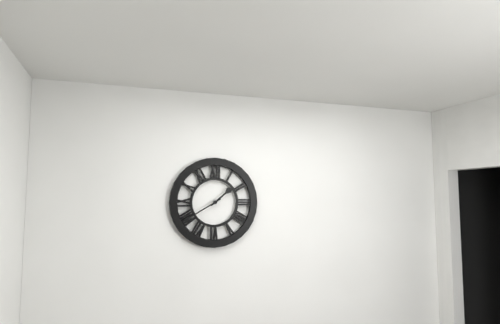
1:40
